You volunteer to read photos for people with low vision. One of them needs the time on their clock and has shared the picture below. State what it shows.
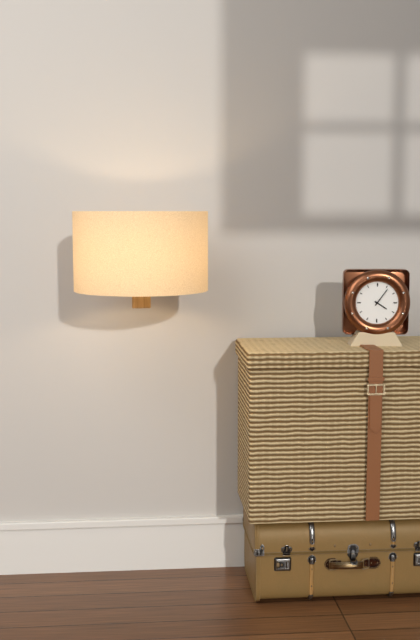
4:06
